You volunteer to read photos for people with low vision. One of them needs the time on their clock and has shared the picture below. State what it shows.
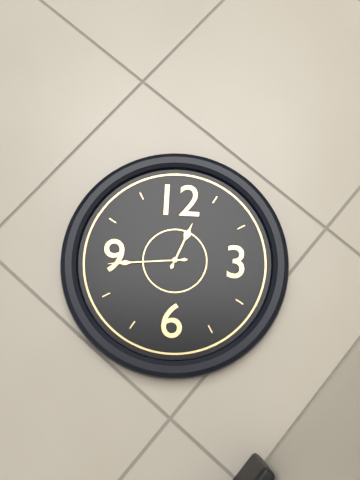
12:44
